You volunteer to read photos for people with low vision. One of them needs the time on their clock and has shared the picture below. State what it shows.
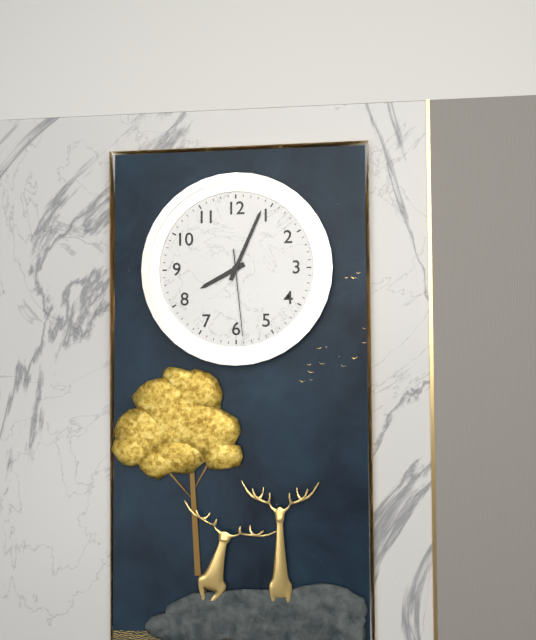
8:04:29
